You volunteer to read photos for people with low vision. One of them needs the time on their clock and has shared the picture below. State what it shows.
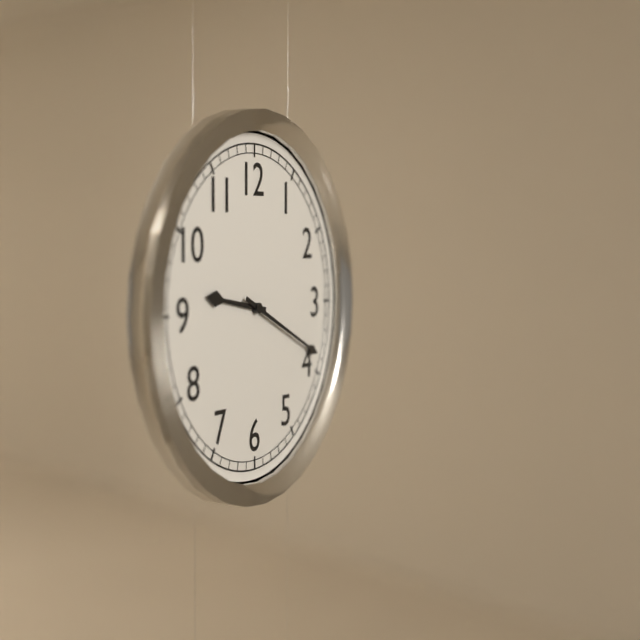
9:19
